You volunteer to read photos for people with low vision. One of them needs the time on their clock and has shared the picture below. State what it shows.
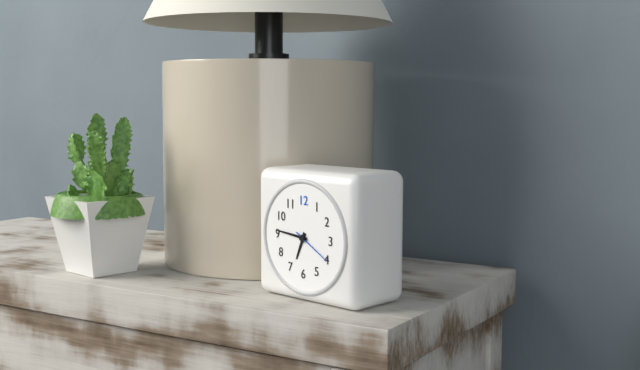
6:46
